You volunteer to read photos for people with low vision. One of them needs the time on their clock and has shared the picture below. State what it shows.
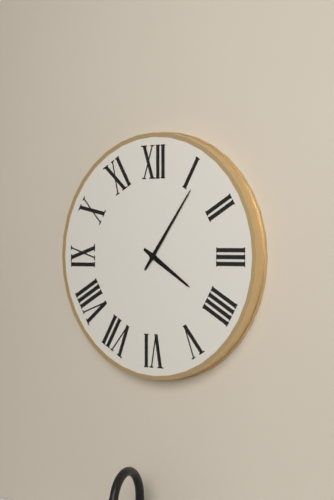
4:06
